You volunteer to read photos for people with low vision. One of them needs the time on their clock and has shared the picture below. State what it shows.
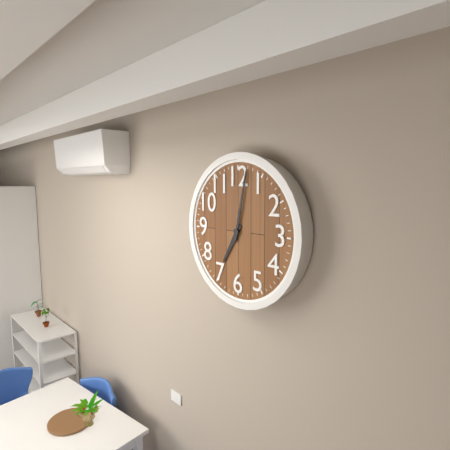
7:02
